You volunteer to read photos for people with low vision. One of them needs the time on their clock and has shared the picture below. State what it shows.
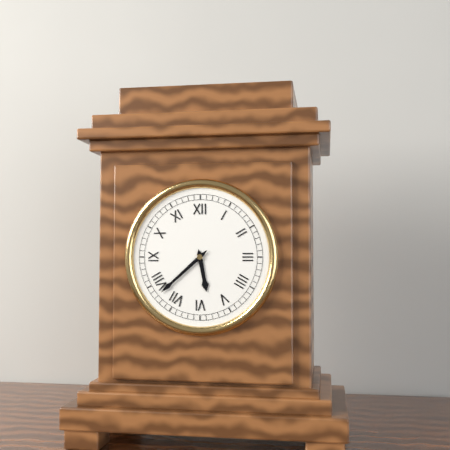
5:38
